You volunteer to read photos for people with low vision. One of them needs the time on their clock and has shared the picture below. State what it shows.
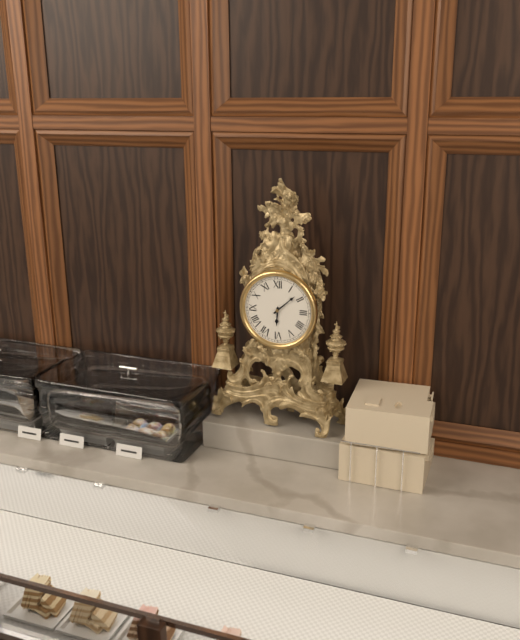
6:08
